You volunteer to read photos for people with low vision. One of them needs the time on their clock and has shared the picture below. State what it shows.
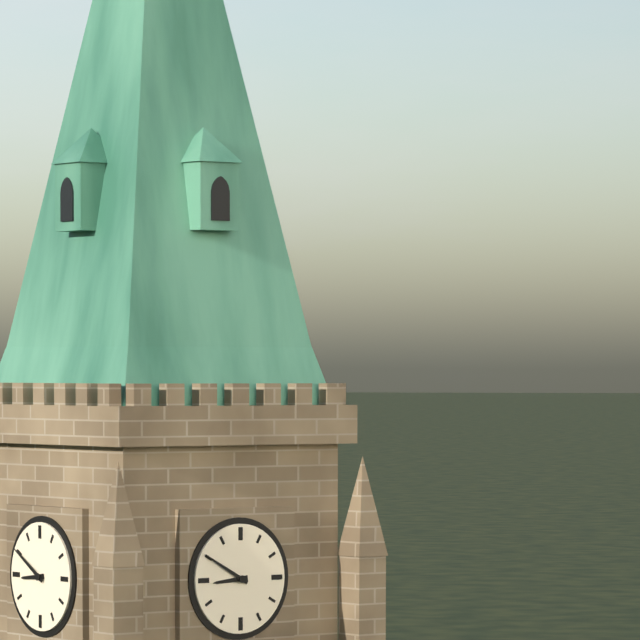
8:50
